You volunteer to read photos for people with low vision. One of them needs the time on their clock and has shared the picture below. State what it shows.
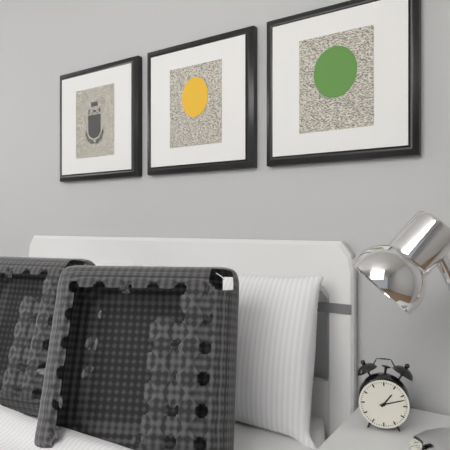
1:12
